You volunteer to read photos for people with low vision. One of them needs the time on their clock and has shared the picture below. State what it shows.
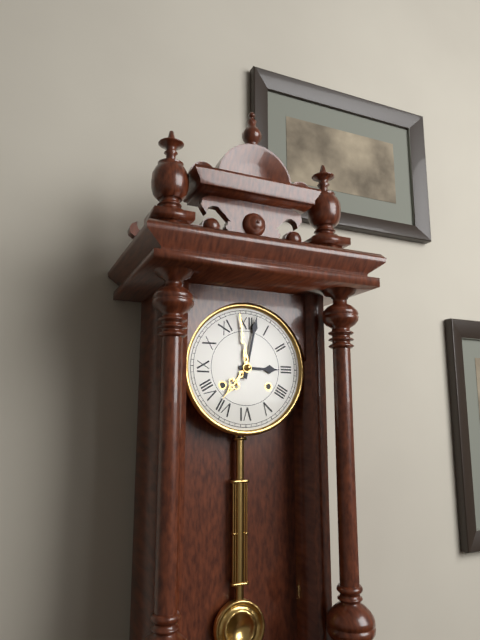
3:02
